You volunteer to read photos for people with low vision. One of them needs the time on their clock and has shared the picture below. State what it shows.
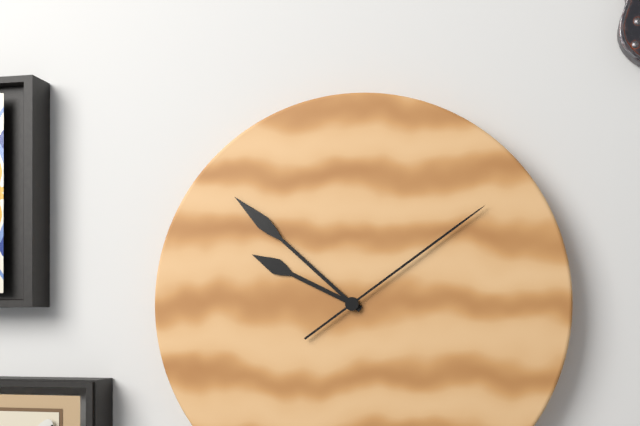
9:52:09
